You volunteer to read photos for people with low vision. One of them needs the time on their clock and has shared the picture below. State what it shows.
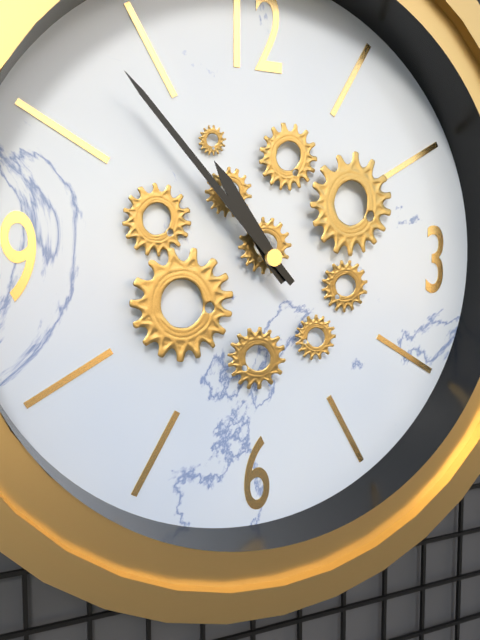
10:53
